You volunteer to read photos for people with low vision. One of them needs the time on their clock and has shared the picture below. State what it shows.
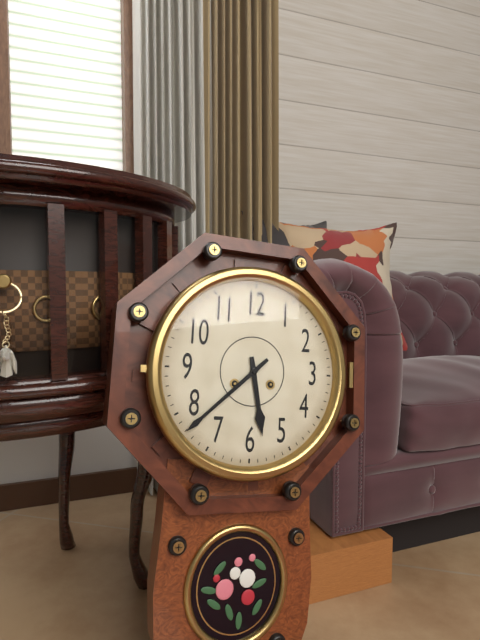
5:38
